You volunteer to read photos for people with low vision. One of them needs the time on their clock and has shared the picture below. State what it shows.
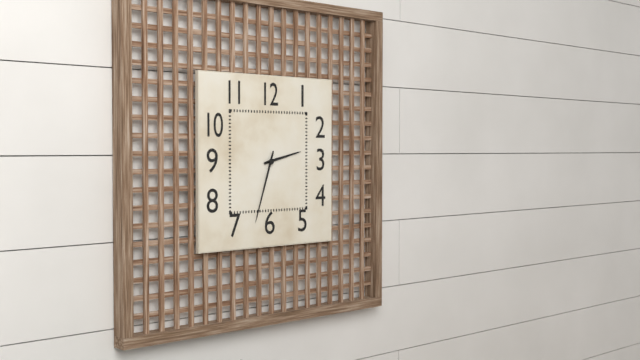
2:33
